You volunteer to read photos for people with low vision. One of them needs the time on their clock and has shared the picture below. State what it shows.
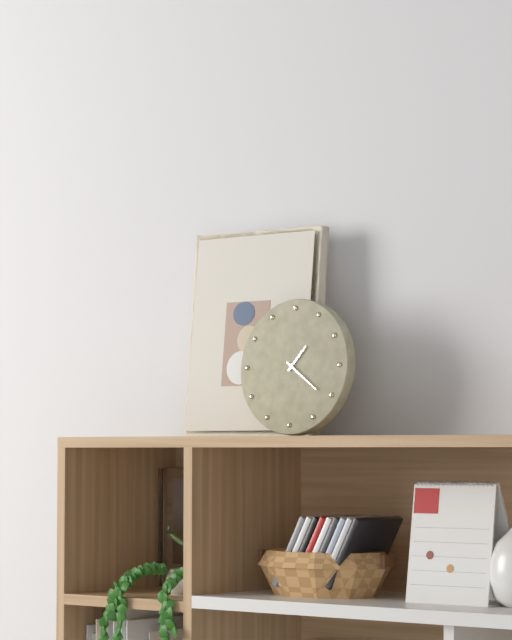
1:21
